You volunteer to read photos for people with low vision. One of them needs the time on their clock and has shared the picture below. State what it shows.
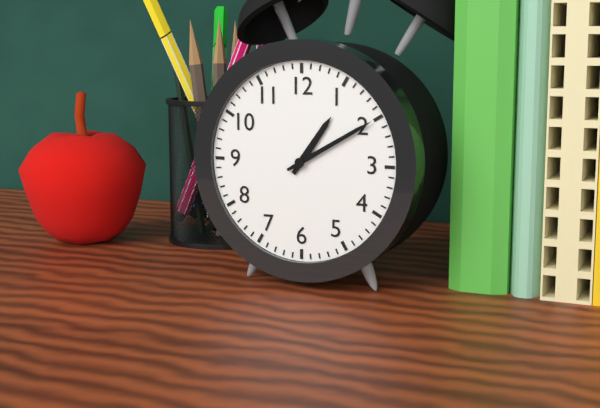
1:10
